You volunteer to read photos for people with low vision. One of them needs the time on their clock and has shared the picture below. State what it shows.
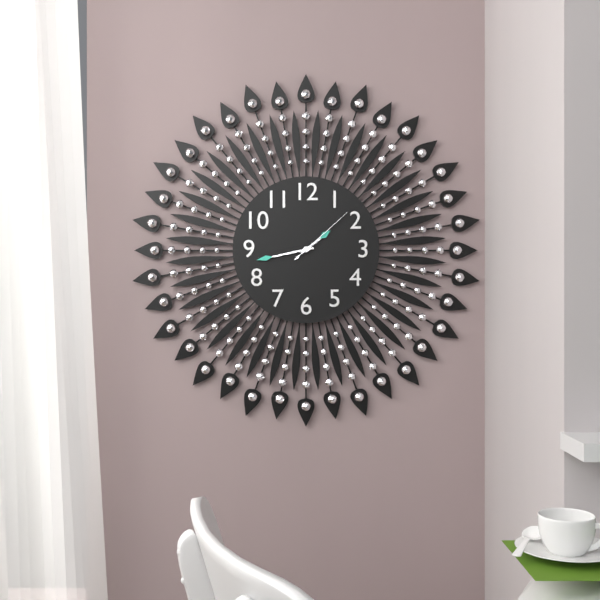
1:43:08
